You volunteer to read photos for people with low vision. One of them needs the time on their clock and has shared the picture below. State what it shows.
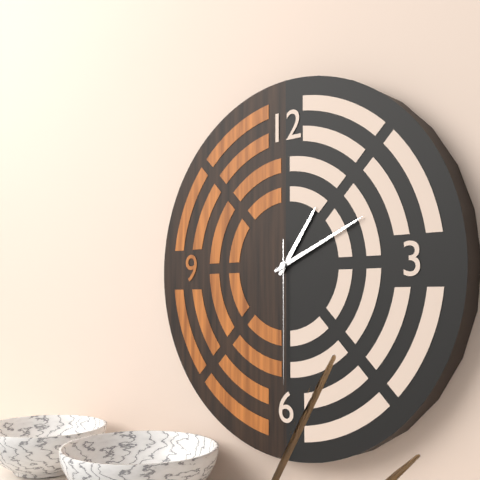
1:11:30
